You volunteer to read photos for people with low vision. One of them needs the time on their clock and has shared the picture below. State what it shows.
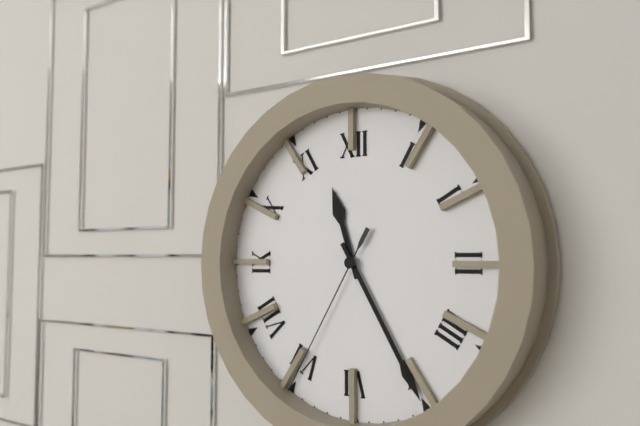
11:25:35
